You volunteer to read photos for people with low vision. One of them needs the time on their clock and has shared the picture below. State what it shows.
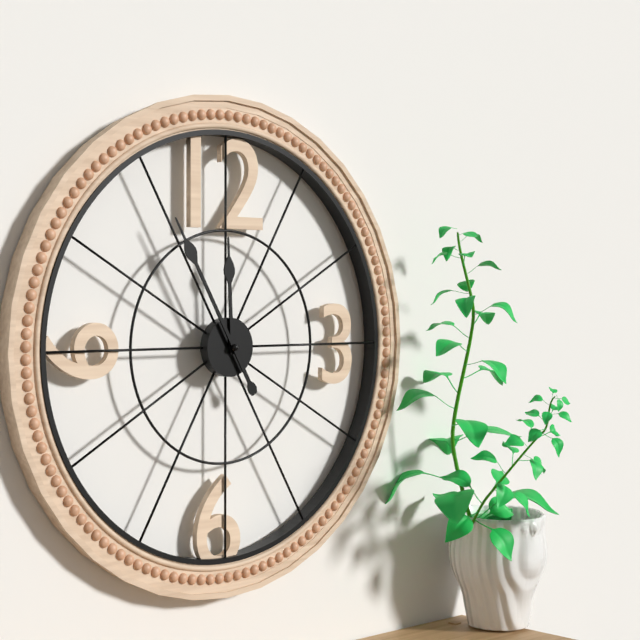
11:55
